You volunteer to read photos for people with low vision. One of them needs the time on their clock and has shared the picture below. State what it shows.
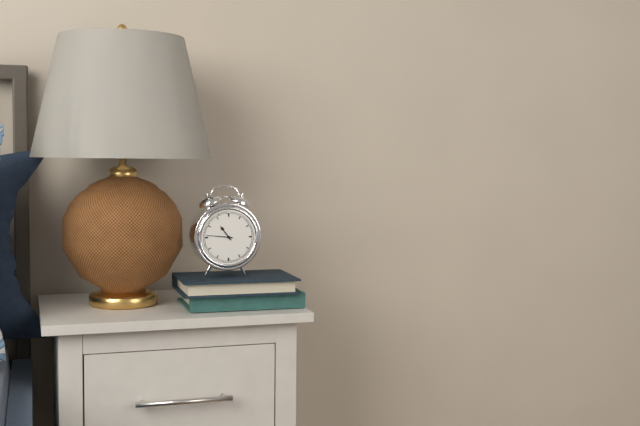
10:46
